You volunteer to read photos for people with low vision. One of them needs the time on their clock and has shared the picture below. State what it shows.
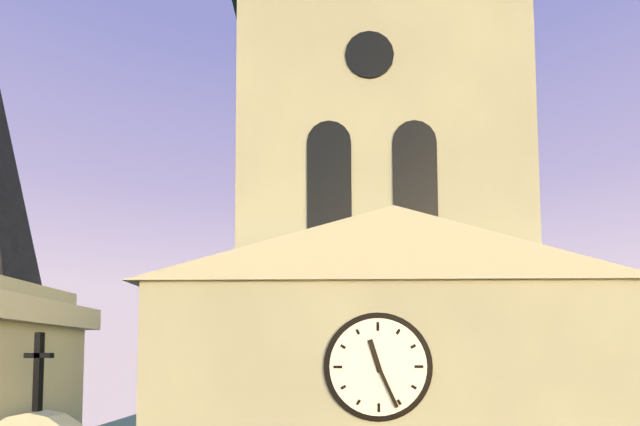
11:26
